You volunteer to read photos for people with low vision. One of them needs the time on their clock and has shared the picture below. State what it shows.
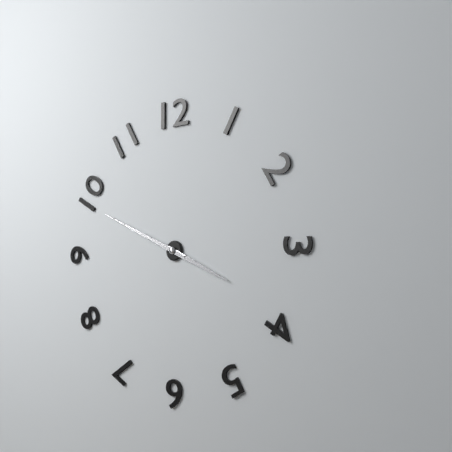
3:49
